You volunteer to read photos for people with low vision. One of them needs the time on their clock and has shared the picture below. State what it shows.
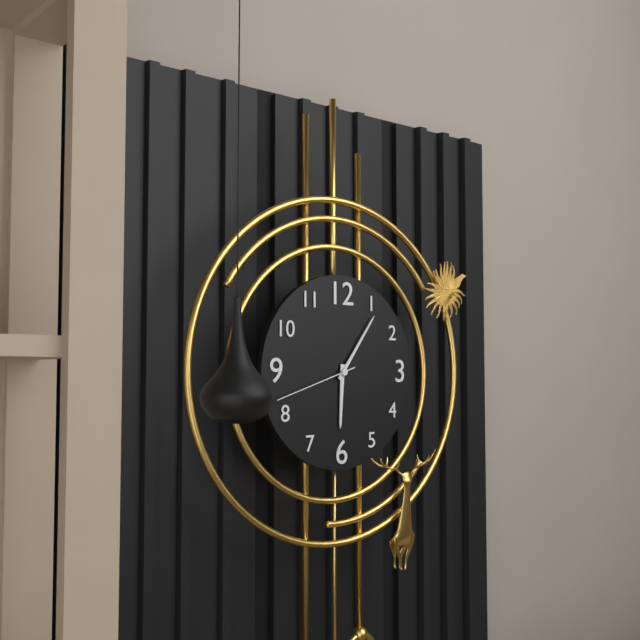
6:06:42
